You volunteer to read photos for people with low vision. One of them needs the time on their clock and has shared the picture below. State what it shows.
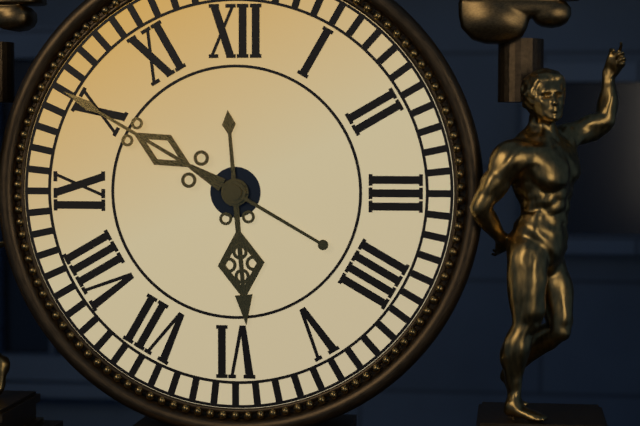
5:50
